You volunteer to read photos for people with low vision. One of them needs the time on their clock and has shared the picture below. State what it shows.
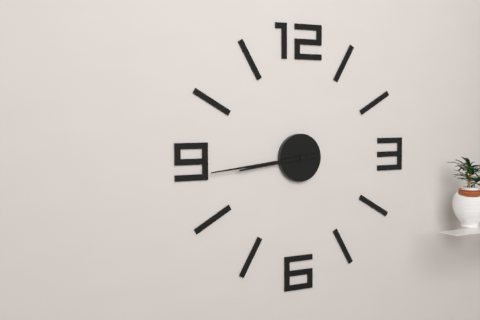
8:44
